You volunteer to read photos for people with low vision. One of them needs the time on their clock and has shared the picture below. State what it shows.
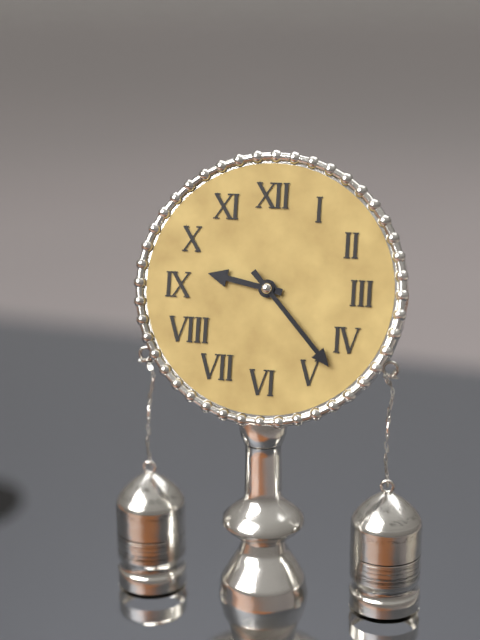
9:23
